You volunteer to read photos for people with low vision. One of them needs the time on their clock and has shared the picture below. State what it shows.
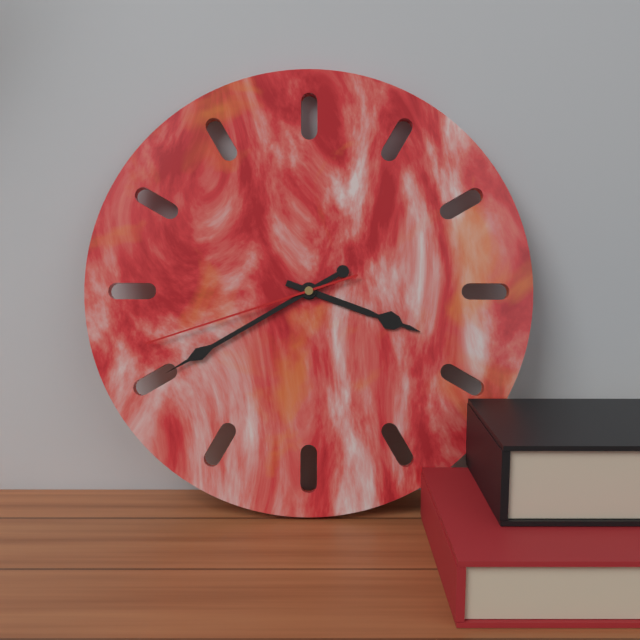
3:40:42
